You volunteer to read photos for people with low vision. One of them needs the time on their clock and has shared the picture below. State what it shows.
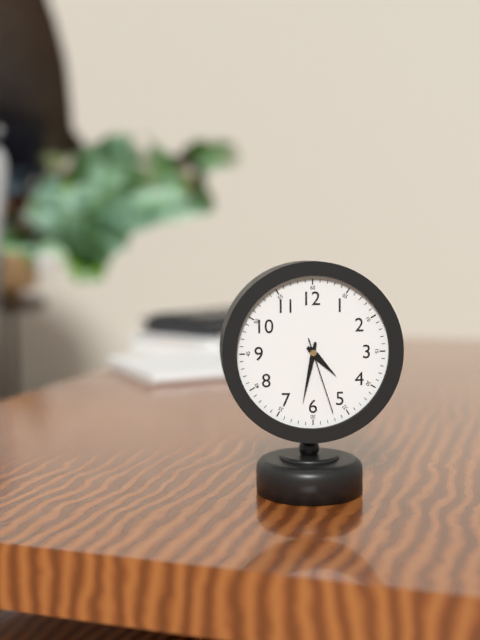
4:32:27
